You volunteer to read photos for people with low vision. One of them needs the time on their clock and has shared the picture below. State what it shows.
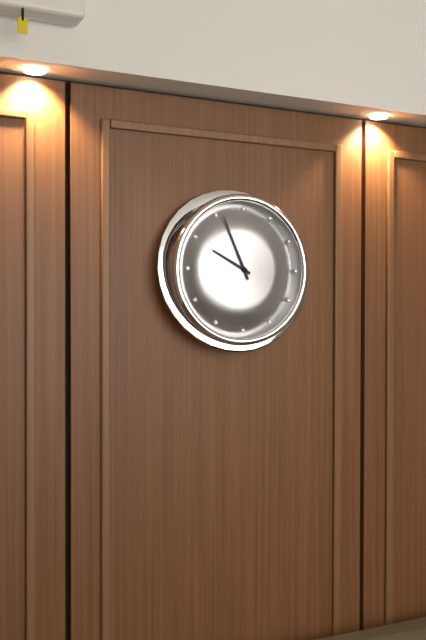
9:56
